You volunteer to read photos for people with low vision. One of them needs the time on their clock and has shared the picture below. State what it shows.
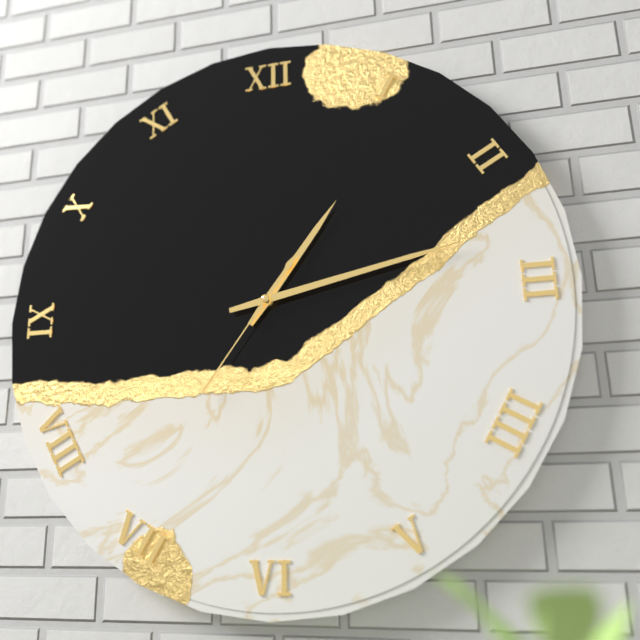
1:13:36
